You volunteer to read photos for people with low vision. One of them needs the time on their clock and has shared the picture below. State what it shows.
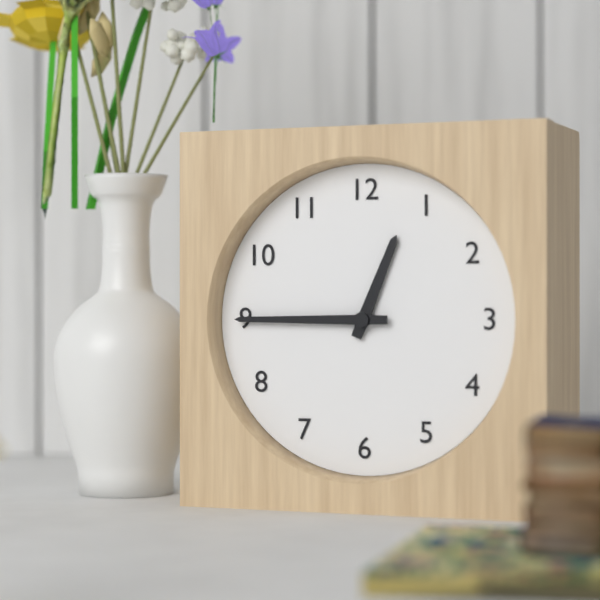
12:45
